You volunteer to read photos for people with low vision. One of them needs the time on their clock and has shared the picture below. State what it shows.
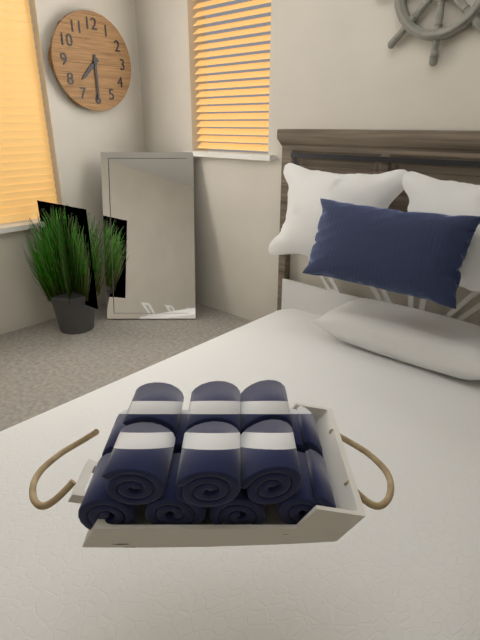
7:30
